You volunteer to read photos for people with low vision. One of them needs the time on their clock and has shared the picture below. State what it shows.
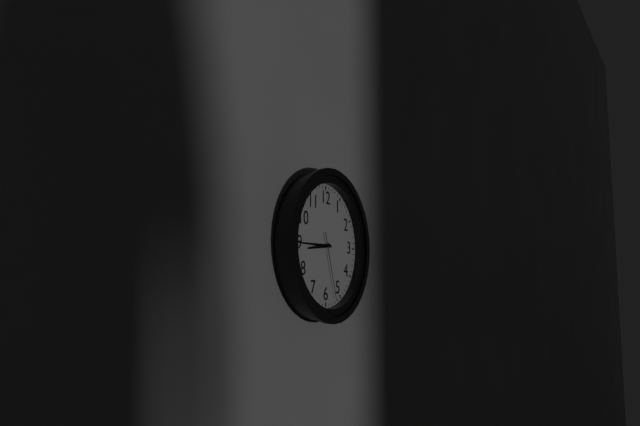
8:45:27
